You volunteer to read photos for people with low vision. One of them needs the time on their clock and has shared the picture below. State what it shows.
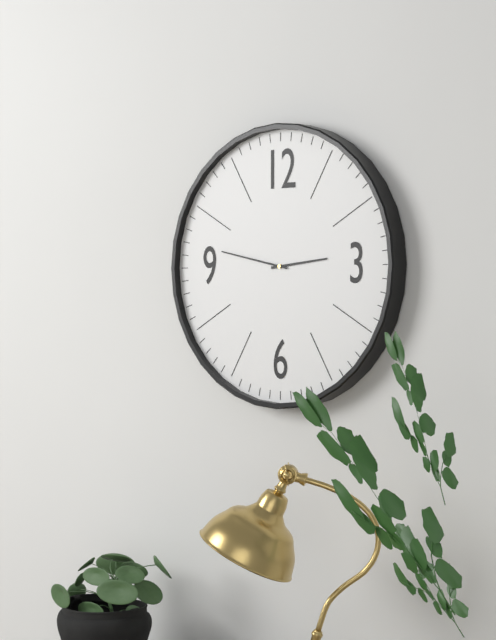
2:47
